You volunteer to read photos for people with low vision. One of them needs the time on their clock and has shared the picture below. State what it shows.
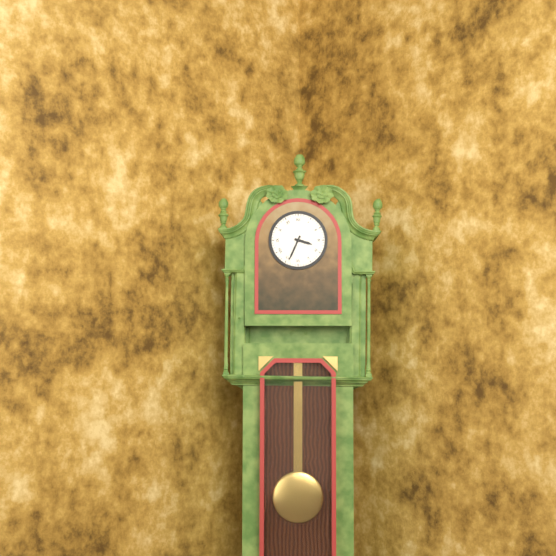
3:34
